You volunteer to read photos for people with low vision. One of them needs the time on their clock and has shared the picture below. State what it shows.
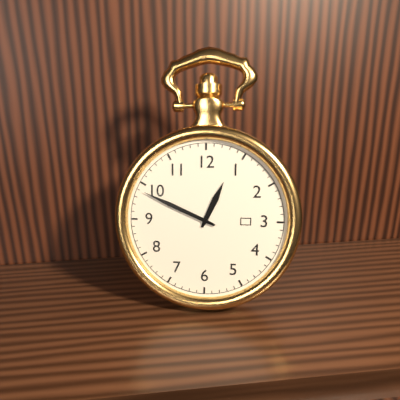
12:49
